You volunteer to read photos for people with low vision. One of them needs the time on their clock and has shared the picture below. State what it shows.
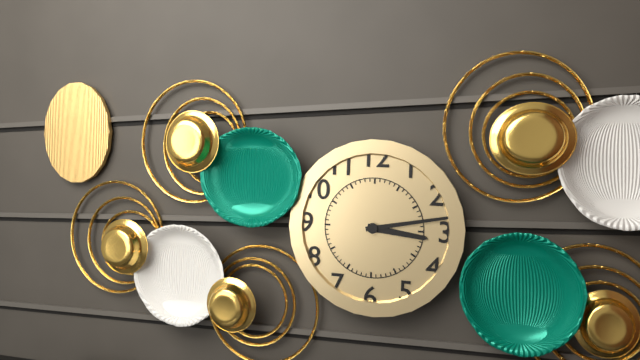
3:13
